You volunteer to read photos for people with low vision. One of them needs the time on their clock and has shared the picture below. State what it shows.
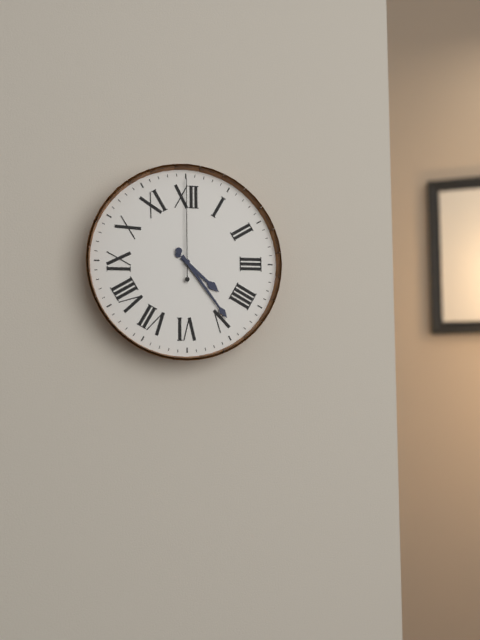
4:24:00
